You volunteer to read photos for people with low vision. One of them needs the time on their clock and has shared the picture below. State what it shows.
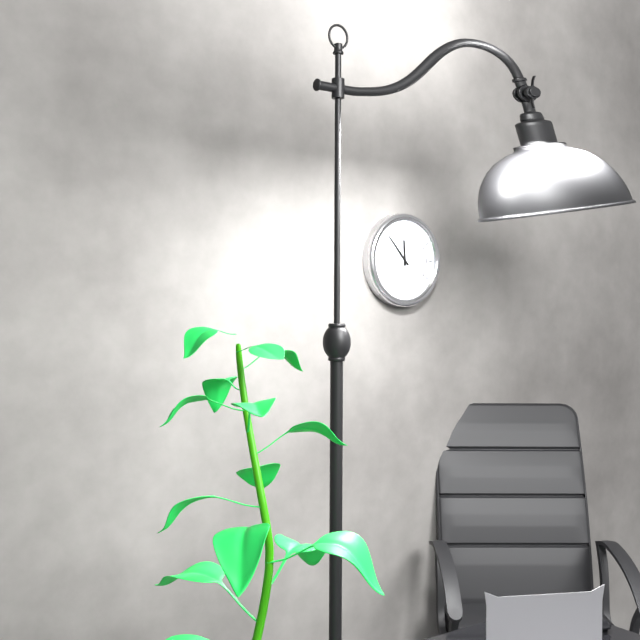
11:53
